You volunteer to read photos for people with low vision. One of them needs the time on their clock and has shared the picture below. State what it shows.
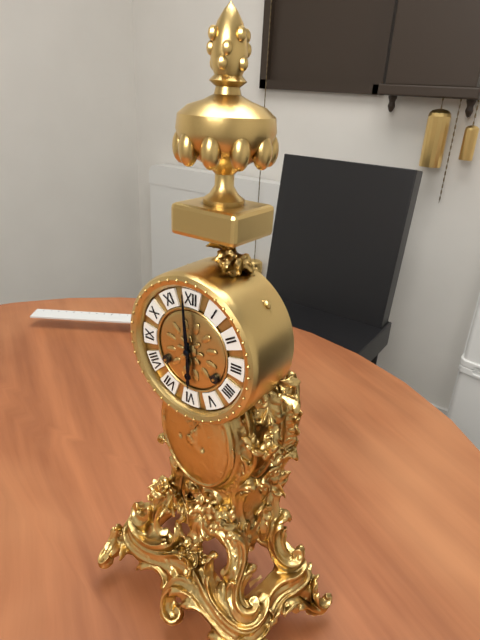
5:59
